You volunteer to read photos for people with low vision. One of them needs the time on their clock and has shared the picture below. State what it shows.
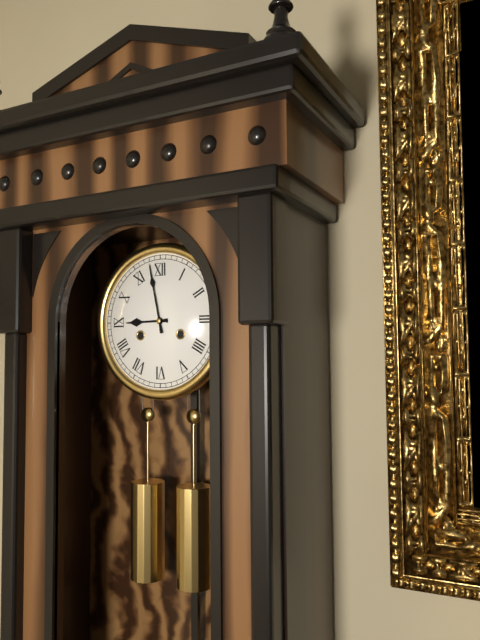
8:58
